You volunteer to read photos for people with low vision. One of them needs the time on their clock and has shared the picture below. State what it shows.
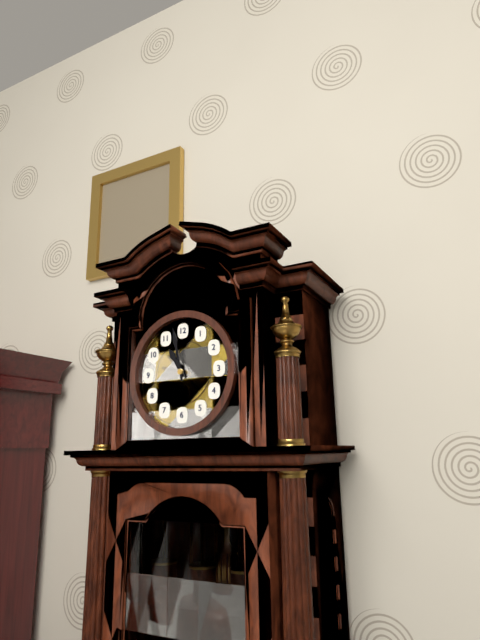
10:58
